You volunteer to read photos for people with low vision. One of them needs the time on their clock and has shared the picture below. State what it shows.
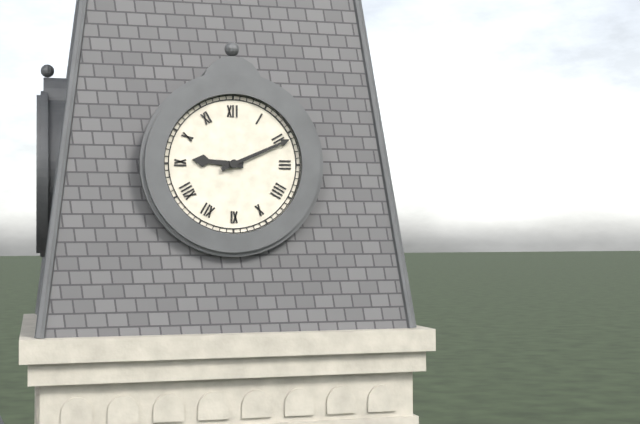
9:11
